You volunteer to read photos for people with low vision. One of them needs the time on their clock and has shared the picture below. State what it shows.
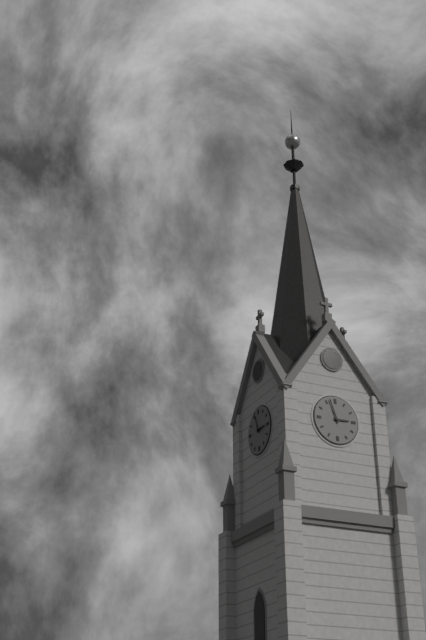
2:57
